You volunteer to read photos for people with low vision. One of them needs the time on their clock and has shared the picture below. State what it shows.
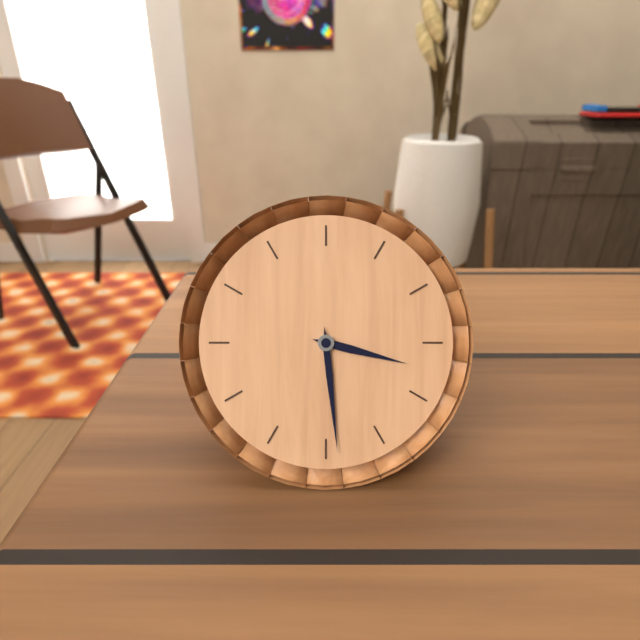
3:29
